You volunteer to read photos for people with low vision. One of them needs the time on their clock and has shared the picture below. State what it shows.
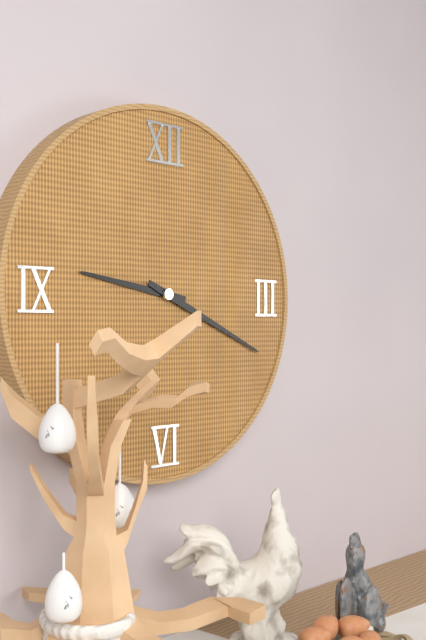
9:19
